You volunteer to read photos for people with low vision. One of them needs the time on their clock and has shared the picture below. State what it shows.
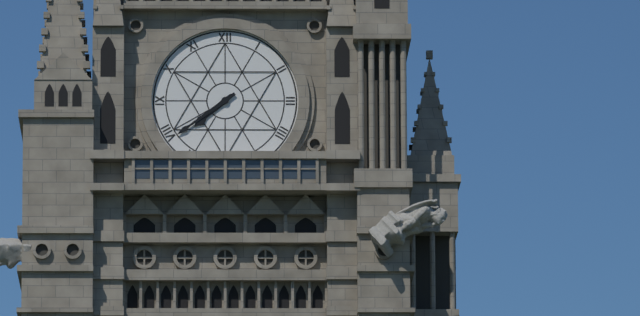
7:39
